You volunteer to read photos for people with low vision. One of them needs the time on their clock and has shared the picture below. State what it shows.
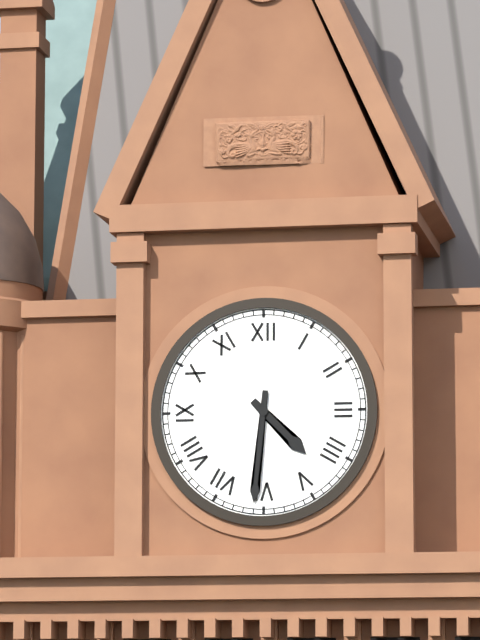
4:31
